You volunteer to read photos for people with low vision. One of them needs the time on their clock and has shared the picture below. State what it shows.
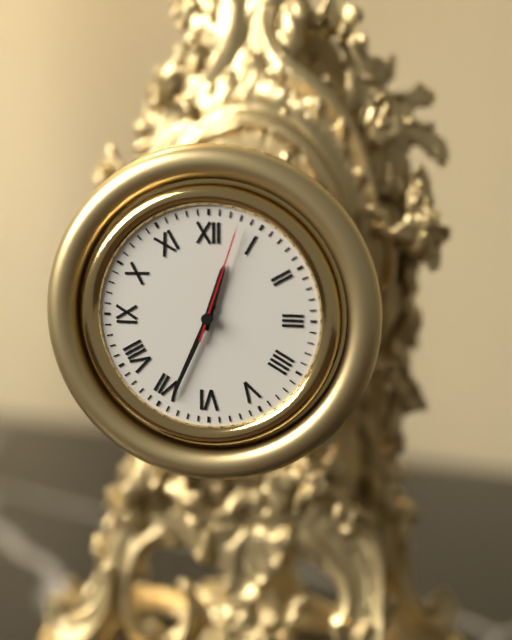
12:34:03
